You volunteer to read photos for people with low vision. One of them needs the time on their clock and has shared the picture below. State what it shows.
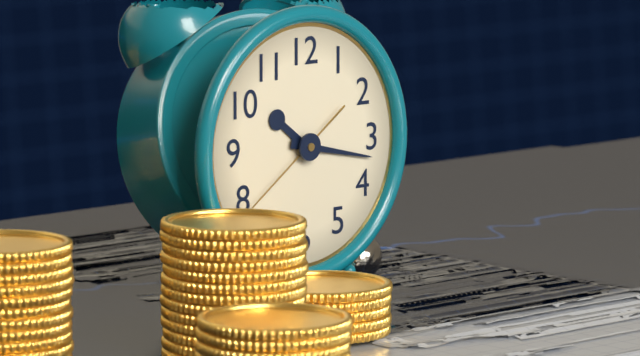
10:17:39
